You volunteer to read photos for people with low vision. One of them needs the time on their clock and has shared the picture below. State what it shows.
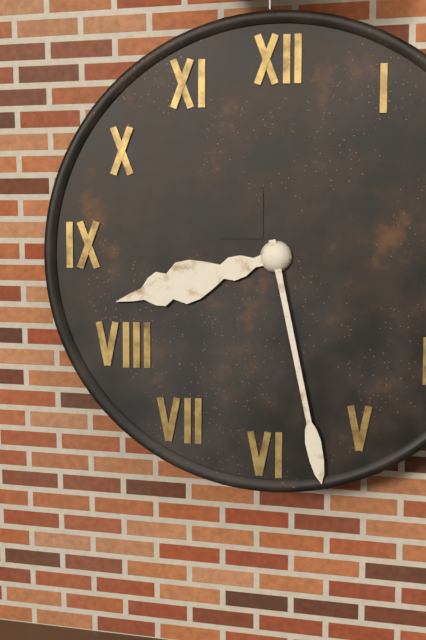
8:28
